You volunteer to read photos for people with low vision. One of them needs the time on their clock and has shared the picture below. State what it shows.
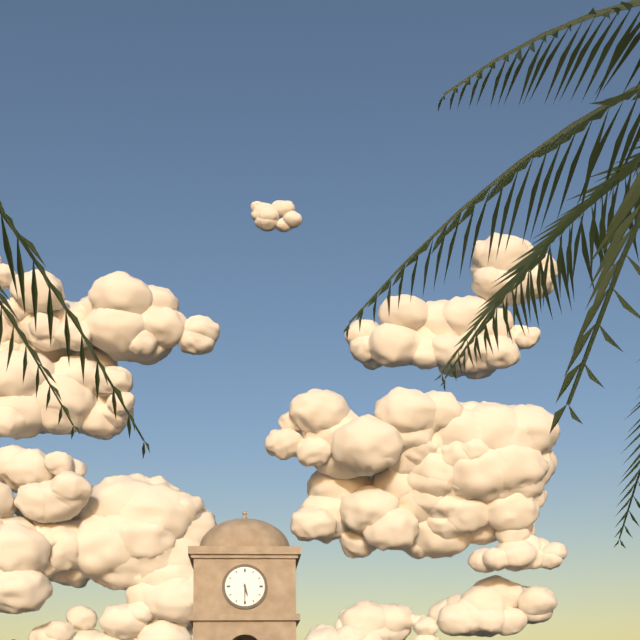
5:30
